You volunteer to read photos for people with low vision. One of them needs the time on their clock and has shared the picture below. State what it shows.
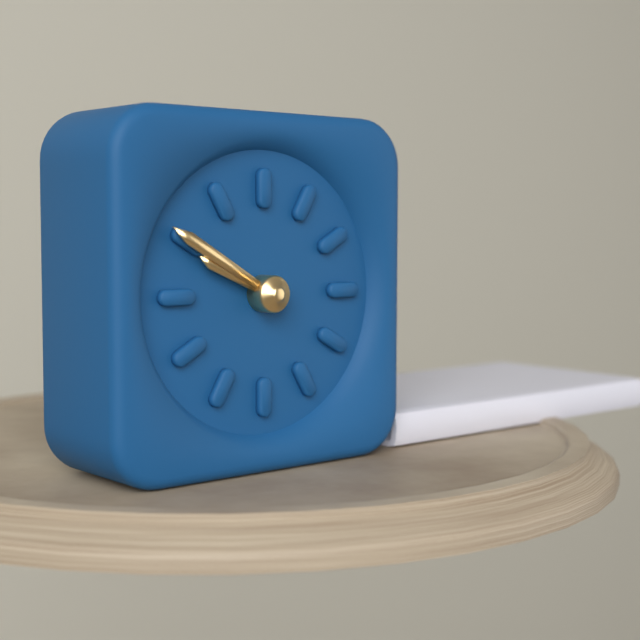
9:50
